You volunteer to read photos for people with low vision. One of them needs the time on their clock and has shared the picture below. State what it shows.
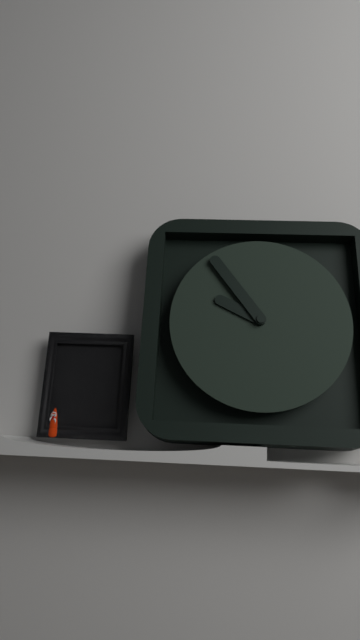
9:54
